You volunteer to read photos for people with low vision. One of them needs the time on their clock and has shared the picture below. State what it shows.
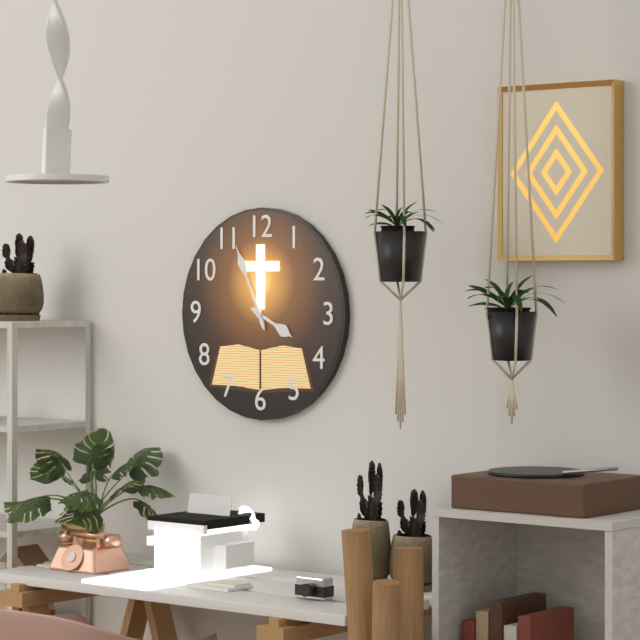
3:56
